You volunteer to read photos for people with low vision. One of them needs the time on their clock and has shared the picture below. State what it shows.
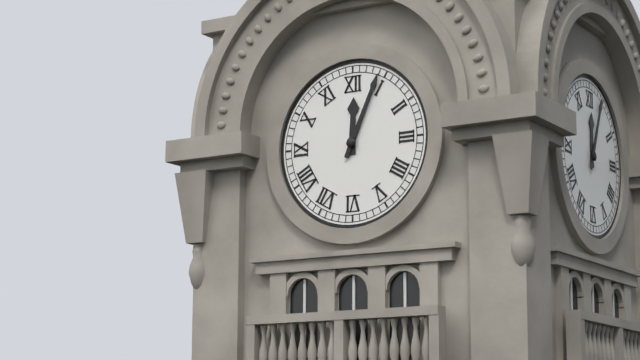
12:04
